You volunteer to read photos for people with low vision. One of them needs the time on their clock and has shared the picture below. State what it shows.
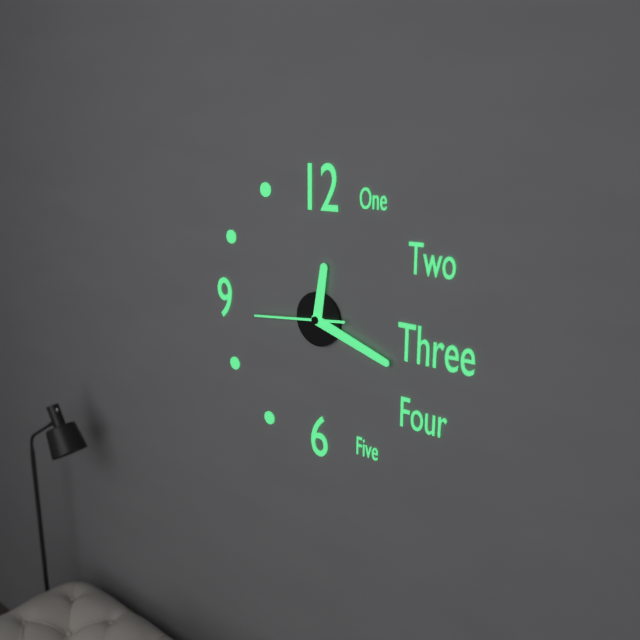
12:18:44
